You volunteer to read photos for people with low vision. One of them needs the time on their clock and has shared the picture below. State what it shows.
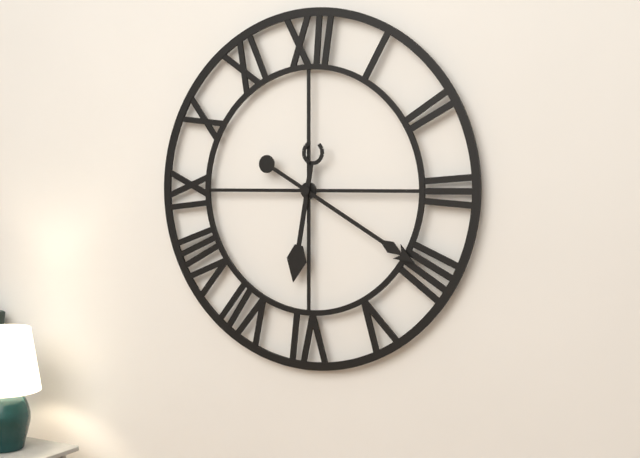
6:20
